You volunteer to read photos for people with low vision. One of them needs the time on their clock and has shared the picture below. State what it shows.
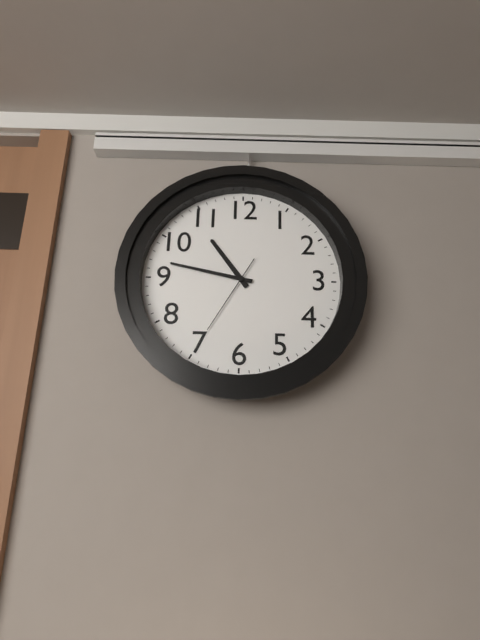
10:47:35
